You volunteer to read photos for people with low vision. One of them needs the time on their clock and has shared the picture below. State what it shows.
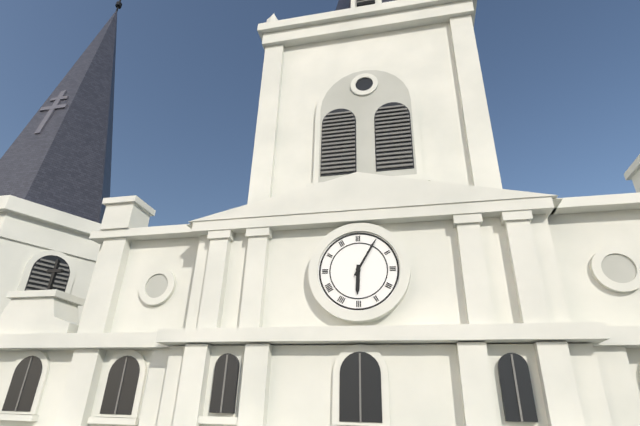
6:05
